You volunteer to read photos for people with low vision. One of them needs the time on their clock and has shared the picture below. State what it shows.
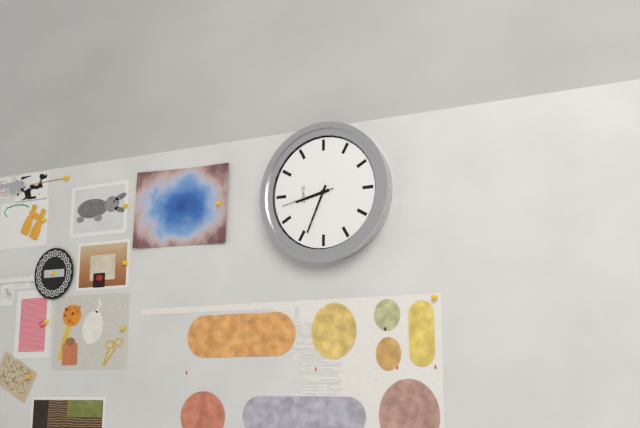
8:34:43
